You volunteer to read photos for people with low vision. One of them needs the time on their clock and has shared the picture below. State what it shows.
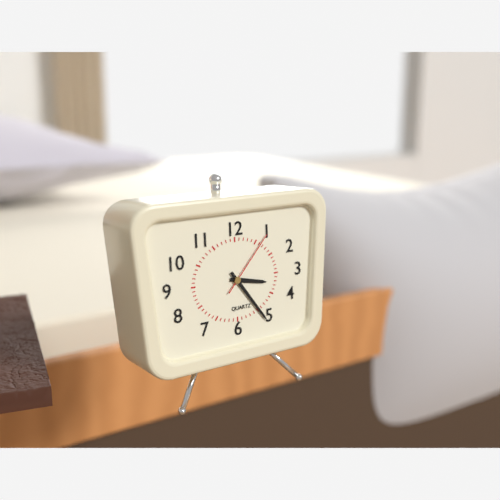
3:24:07
